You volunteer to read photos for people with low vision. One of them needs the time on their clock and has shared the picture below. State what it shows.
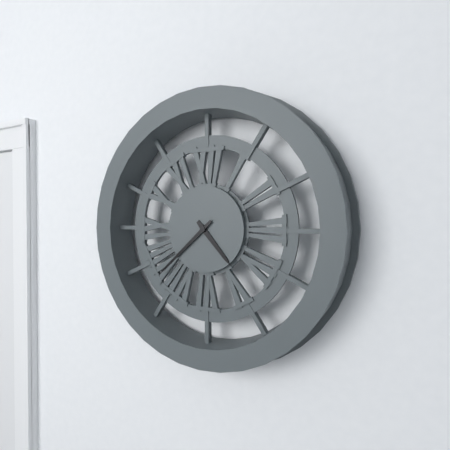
4:38
